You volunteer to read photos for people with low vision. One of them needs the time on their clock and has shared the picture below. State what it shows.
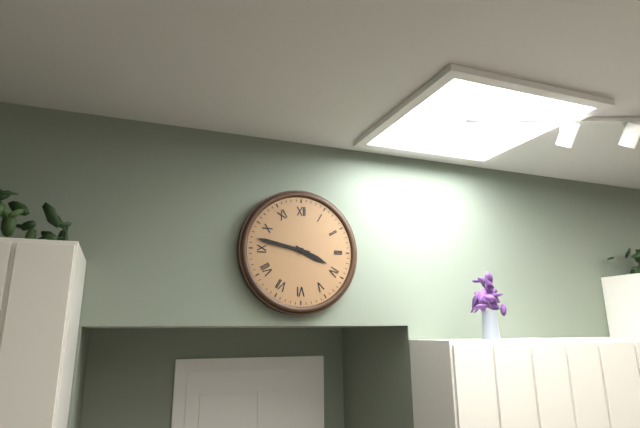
3:47
